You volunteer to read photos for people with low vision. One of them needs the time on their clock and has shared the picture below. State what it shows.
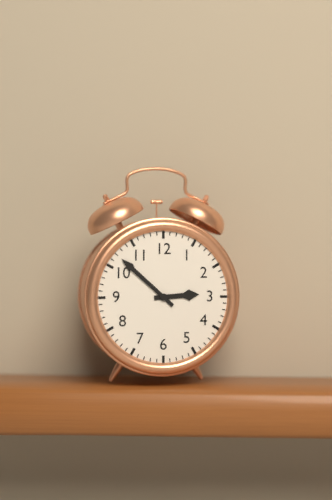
2:52
